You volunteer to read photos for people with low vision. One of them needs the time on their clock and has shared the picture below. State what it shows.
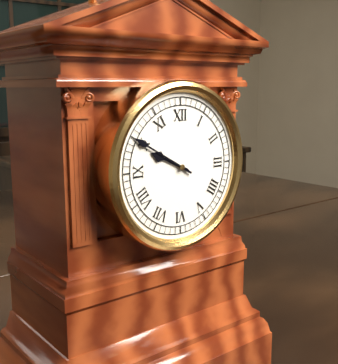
9:50
